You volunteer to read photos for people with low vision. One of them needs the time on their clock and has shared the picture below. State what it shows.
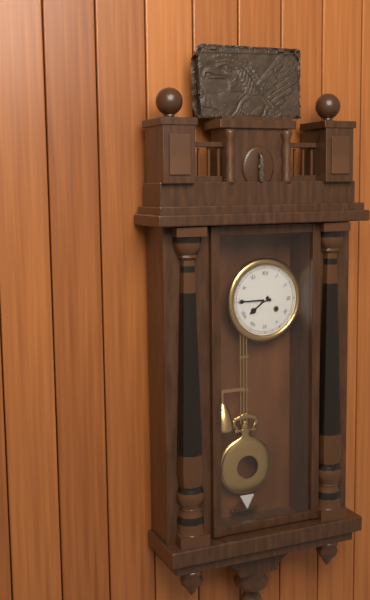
7:45
